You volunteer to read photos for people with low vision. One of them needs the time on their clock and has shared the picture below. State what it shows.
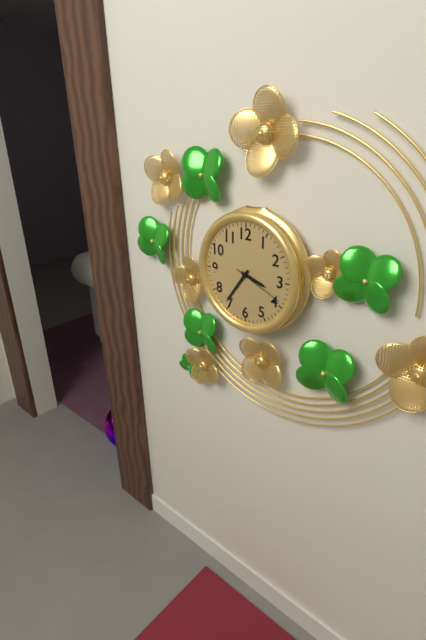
3:36:19
